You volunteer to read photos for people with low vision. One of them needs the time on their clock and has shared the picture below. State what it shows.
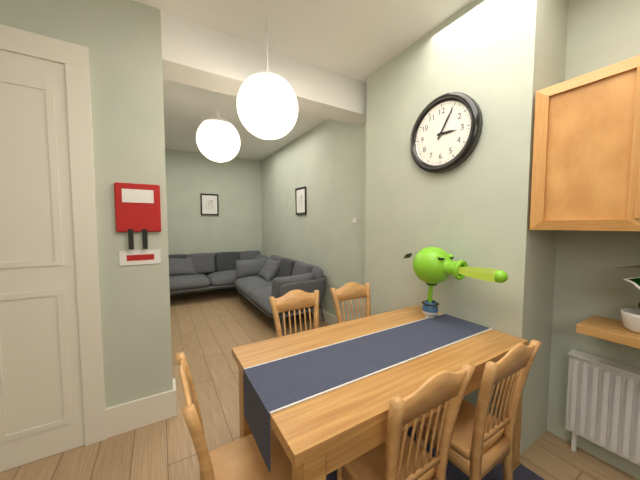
3:05
